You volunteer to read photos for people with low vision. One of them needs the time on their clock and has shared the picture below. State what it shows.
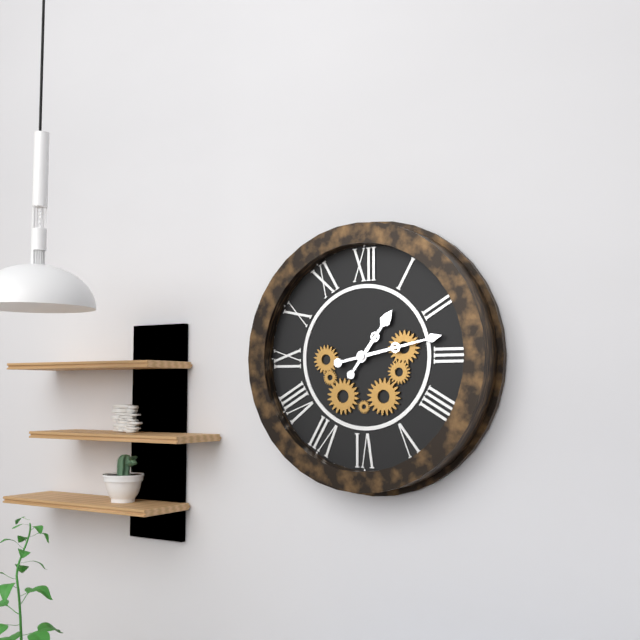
1:13
